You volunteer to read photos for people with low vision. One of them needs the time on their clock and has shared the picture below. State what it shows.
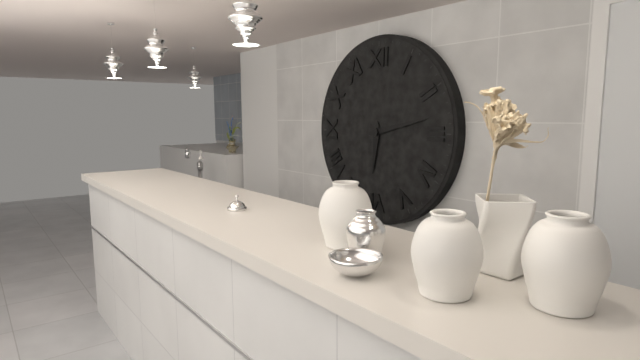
6:13
